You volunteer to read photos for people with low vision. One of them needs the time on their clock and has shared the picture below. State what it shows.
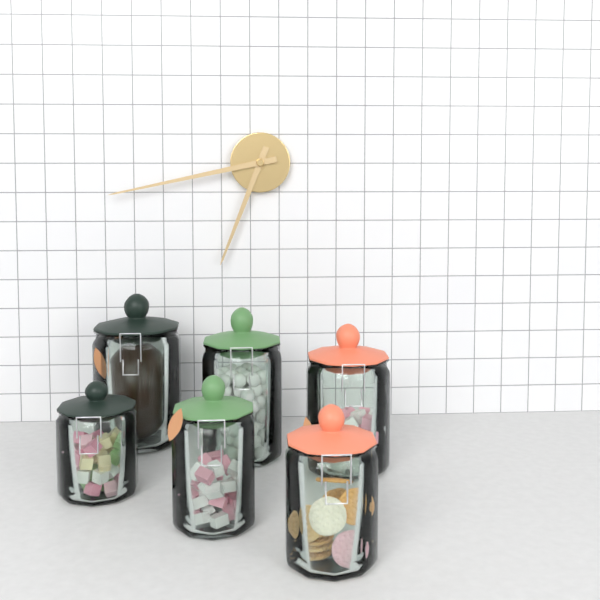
6:43
